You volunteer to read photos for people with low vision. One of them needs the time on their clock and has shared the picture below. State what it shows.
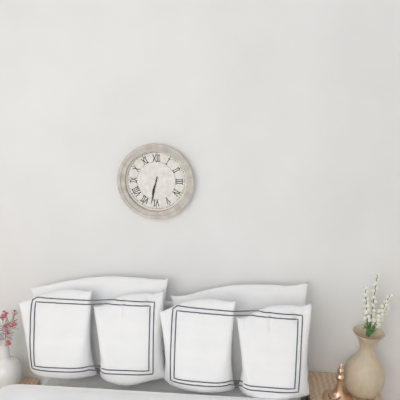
6:32
